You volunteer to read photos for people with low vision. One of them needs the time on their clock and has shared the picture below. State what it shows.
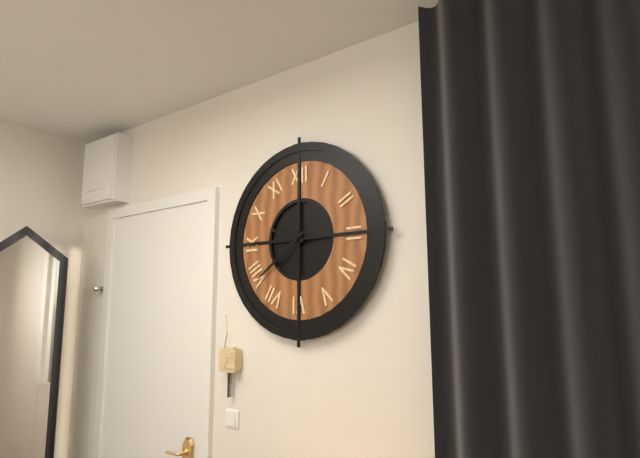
9:39
